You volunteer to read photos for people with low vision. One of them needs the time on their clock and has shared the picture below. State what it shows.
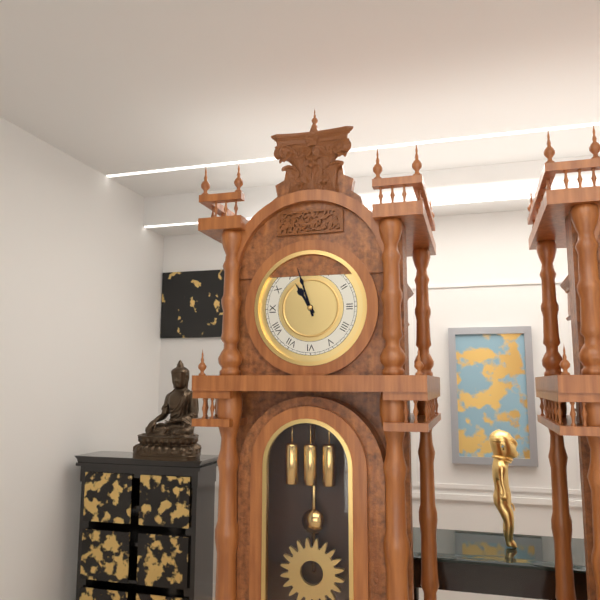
10:57
